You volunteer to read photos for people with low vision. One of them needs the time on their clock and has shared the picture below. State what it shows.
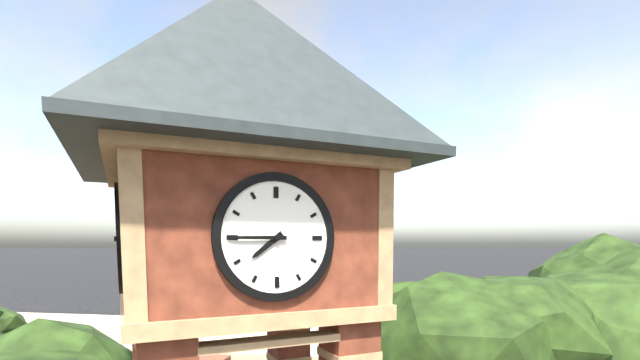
7:45
